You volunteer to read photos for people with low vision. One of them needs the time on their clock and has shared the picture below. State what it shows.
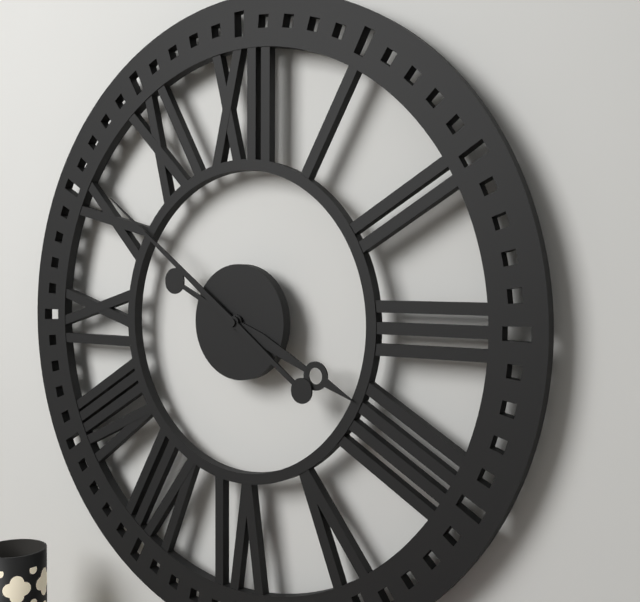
3:51
